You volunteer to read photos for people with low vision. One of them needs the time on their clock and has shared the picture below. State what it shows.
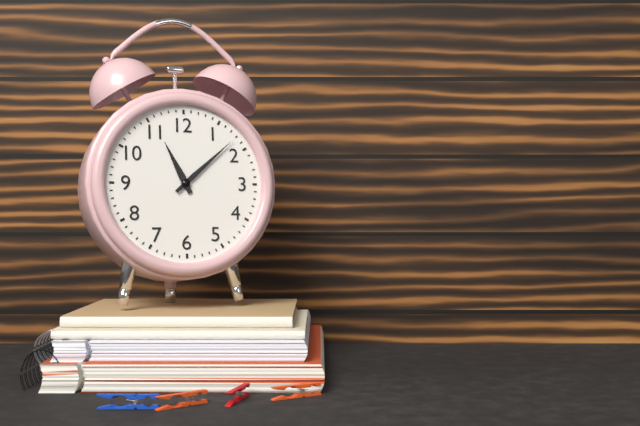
11:08
